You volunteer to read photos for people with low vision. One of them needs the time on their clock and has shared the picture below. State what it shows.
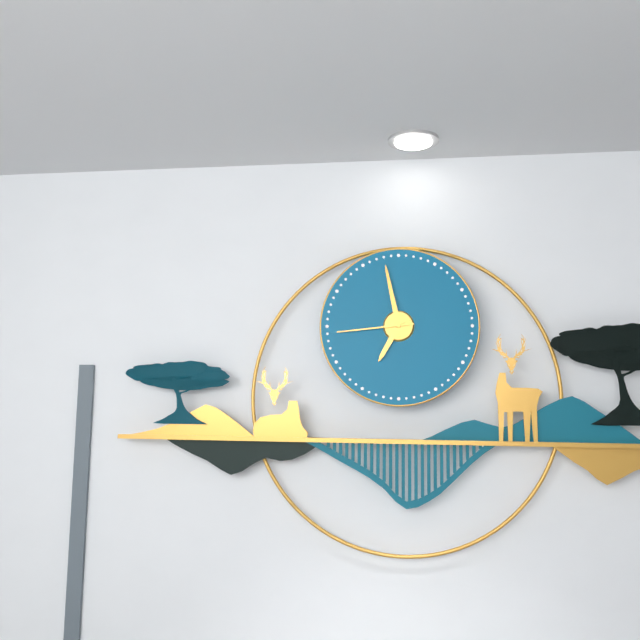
6:58:44
